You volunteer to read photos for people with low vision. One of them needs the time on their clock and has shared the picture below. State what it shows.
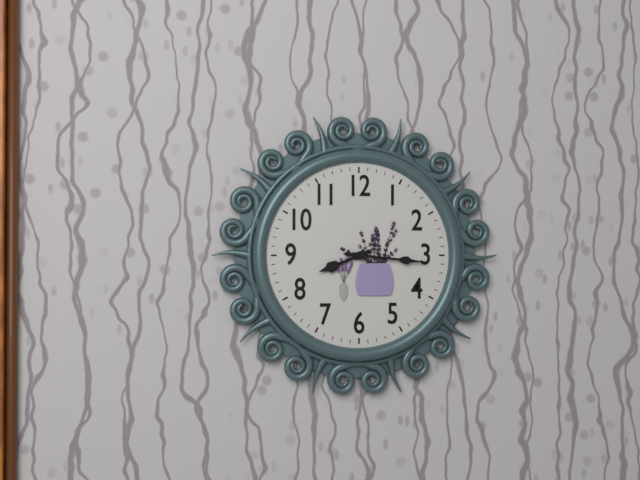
8:16
